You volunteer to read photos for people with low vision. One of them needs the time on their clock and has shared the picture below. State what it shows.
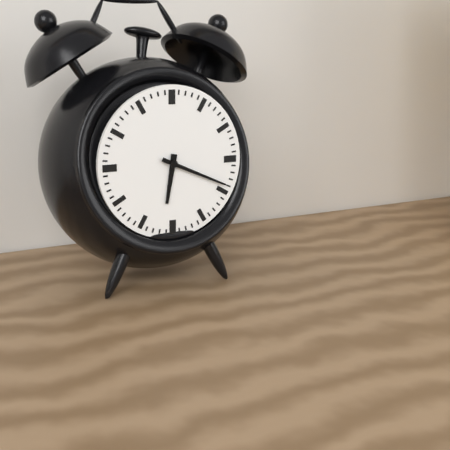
6:19
